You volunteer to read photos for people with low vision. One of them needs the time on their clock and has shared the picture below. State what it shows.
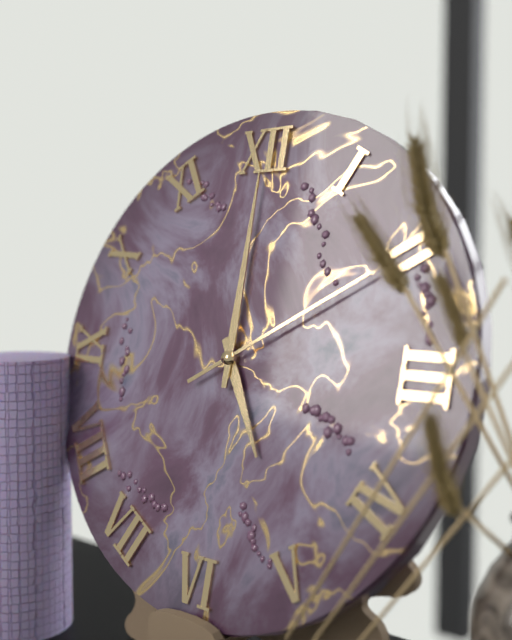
5:00:10
